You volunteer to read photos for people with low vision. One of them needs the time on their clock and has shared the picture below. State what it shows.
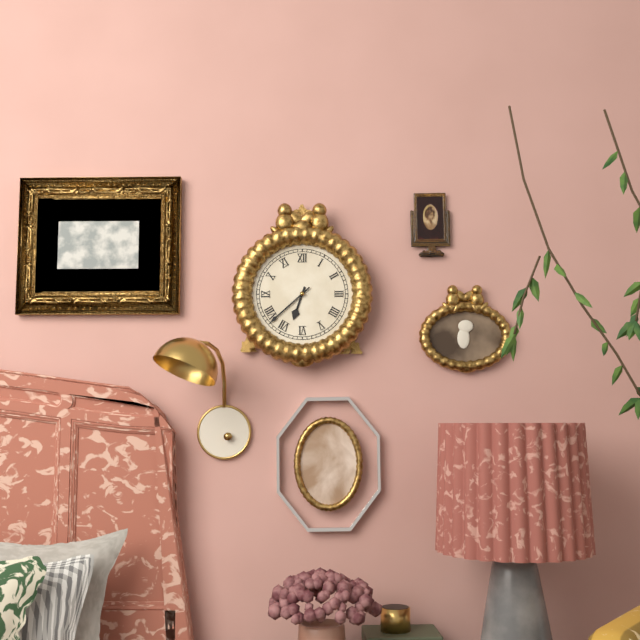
6:38
